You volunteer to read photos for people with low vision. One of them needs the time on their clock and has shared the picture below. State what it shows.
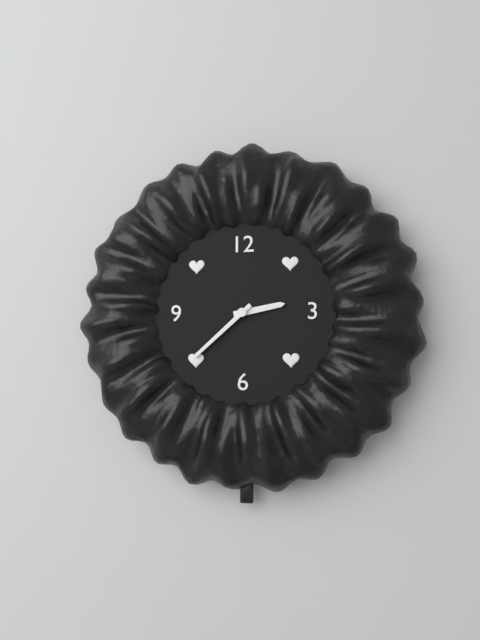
2:38
